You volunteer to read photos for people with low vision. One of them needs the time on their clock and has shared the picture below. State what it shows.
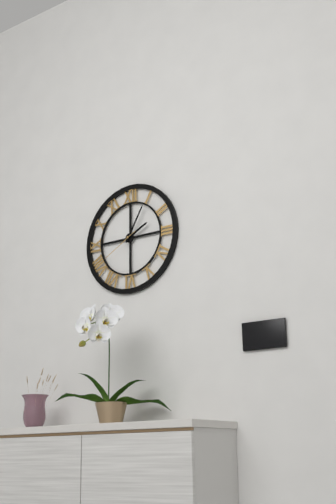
2:05
